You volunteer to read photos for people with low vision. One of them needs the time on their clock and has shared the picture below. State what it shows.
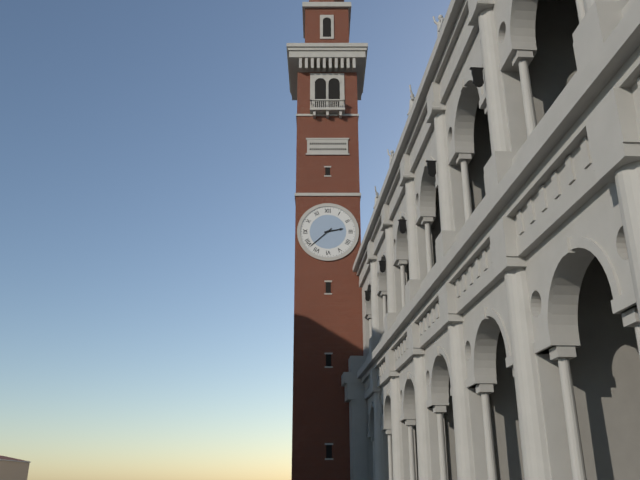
2:38
